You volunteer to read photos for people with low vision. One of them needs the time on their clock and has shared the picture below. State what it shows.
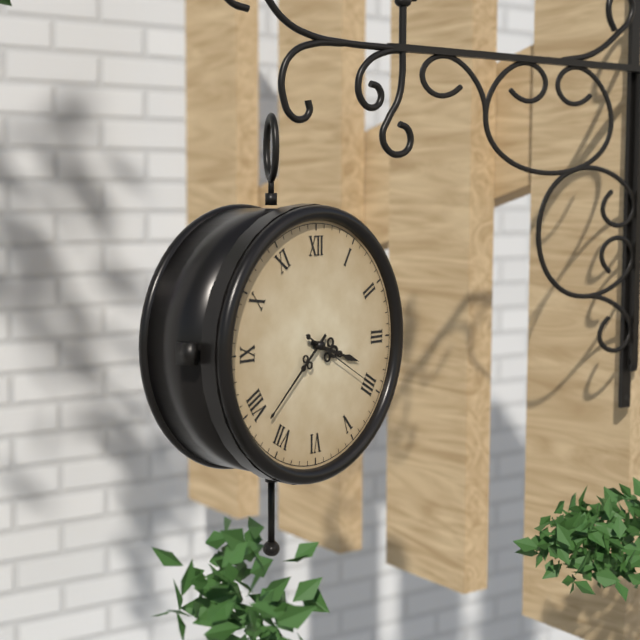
3:38:20
